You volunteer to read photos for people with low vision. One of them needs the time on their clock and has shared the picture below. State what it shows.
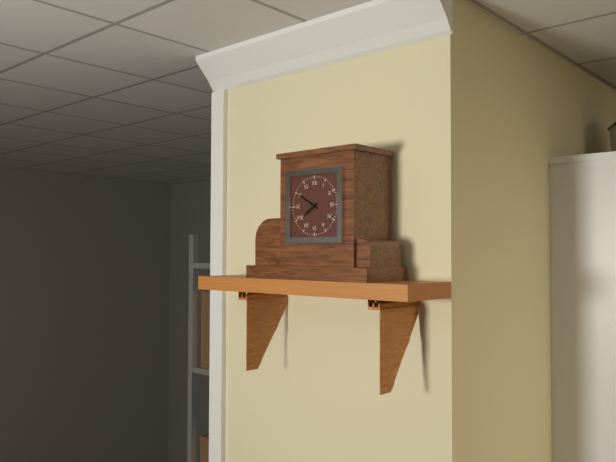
7:50
